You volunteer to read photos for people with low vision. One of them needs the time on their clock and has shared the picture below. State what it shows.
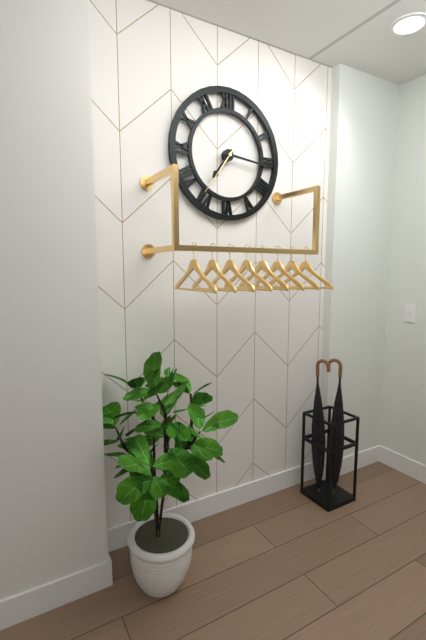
7:16
